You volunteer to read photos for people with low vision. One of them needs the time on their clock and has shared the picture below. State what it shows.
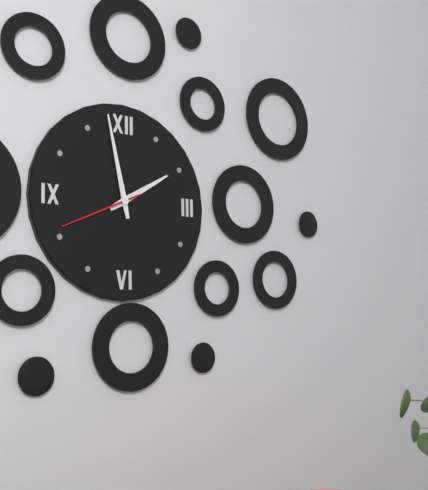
1:58:41
